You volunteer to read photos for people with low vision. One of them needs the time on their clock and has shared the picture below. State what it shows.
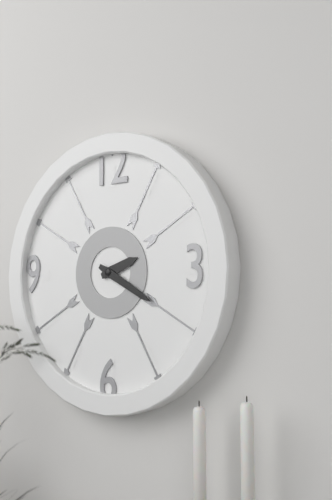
2:20
